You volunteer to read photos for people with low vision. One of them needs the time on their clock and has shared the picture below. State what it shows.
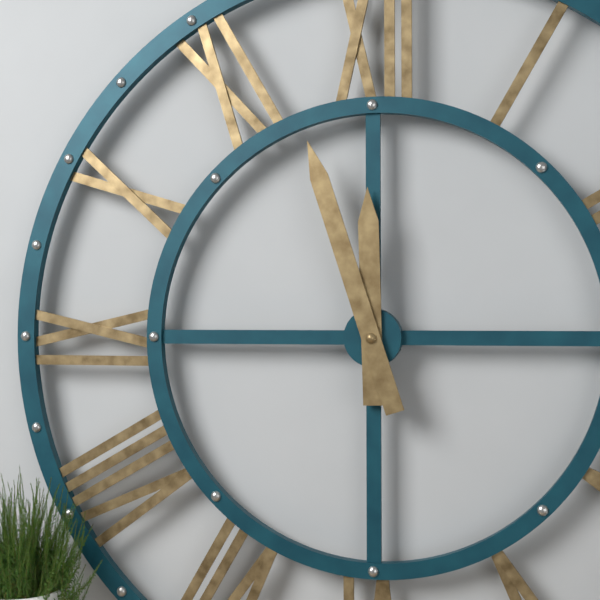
11:57
